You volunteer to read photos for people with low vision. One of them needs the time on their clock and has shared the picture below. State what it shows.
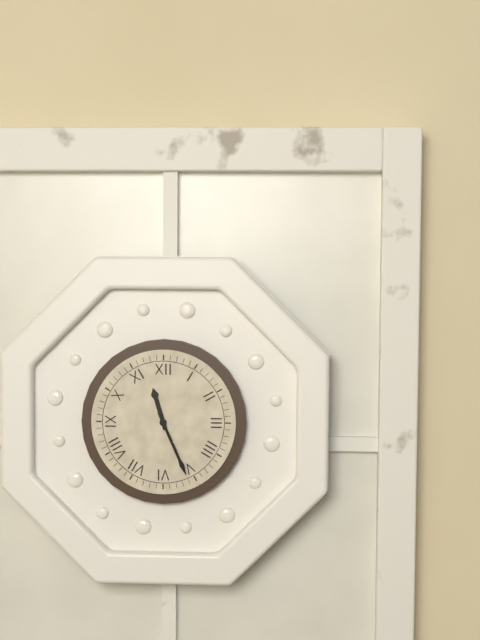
11:26
